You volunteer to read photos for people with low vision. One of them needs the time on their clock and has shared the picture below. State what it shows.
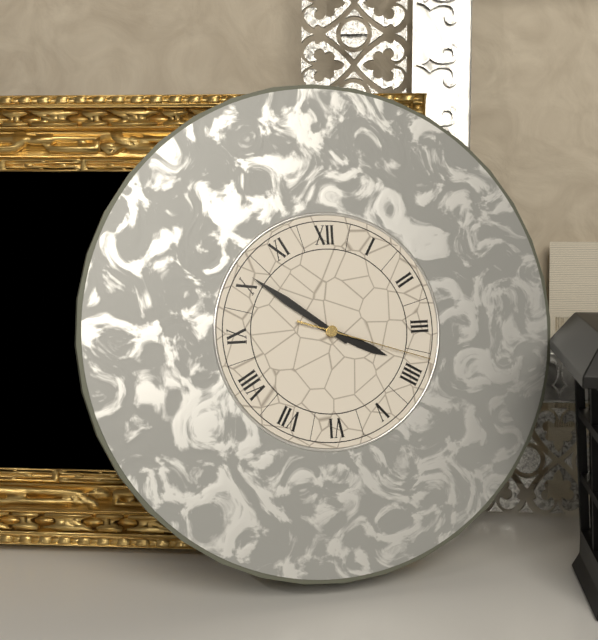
3:51:18
